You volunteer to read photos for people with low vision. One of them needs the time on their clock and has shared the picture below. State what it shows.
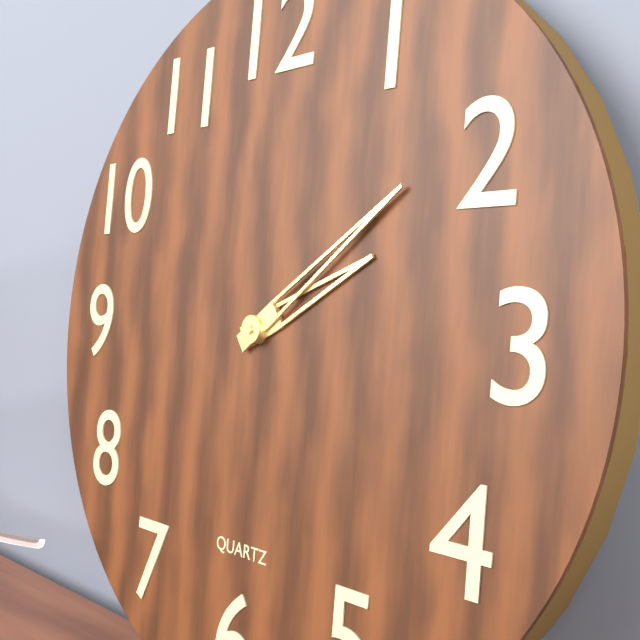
2:09
